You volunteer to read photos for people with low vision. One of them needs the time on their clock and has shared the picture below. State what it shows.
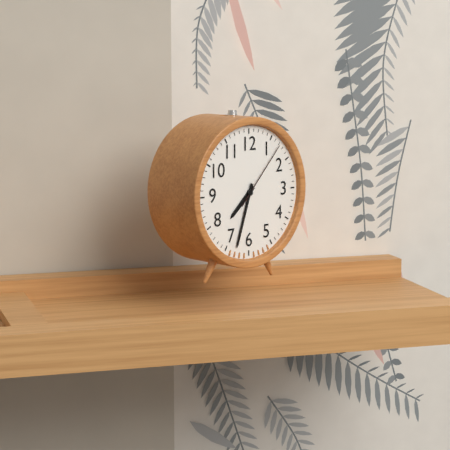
7:33:07
